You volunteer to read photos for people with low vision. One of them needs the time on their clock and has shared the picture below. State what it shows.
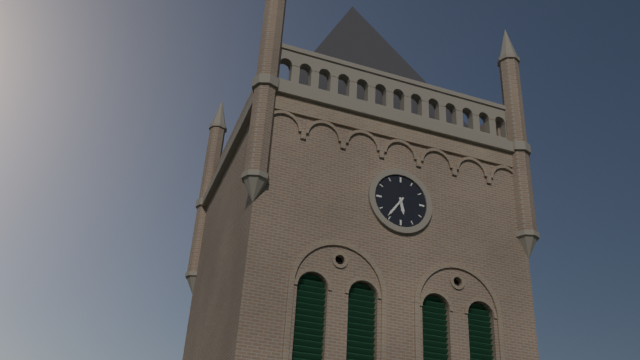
5:36
